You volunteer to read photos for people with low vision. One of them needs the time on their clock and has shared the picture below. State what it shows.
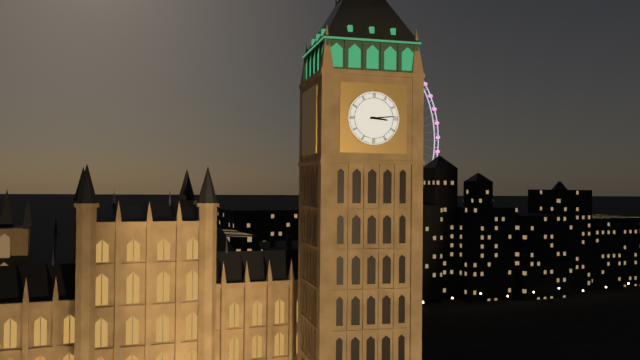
3:14
